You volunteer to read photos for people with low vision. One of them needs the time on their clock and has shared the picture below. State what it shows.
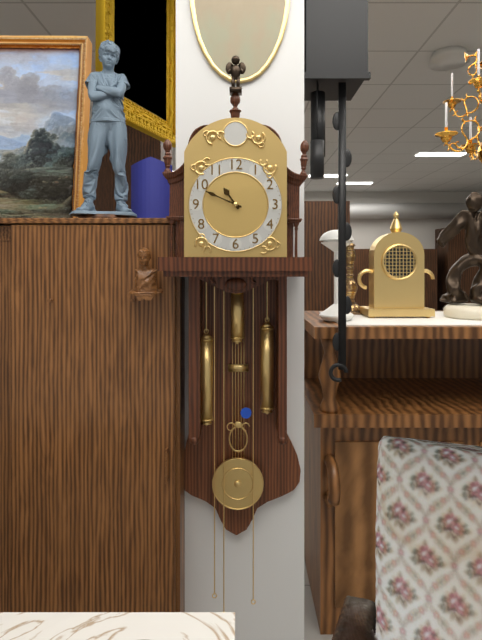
10:49
